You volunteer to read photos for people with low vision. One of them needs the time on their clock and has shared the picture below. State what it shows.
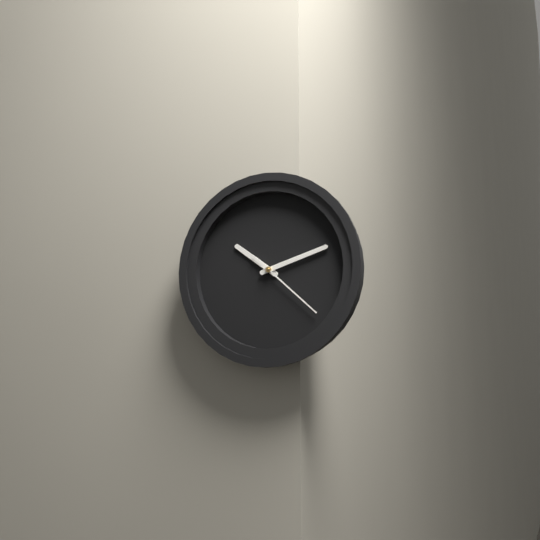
10:12:22
